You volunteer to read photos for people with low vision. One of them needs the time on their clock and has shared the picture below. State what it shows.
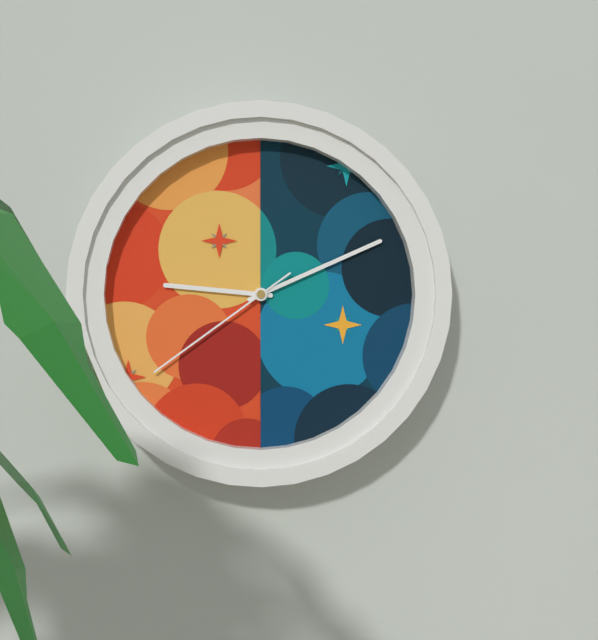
9:11:39
